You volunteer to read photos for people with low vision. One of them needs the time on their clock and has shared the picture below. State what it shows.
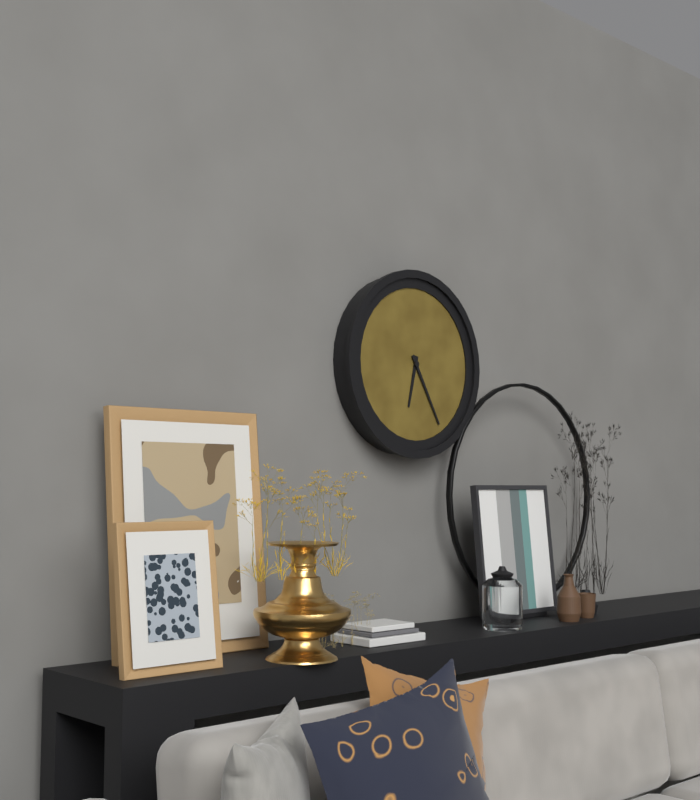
6:25
